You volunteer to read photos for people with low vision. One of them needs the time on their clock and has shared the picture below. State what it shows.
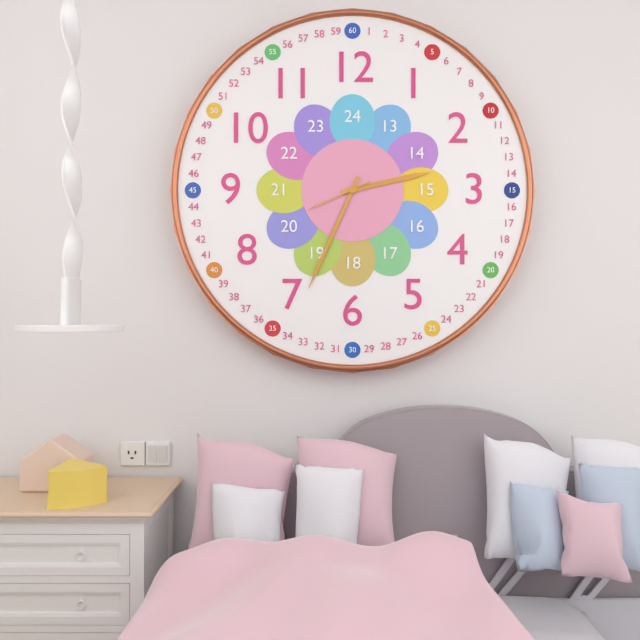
2:34:41
